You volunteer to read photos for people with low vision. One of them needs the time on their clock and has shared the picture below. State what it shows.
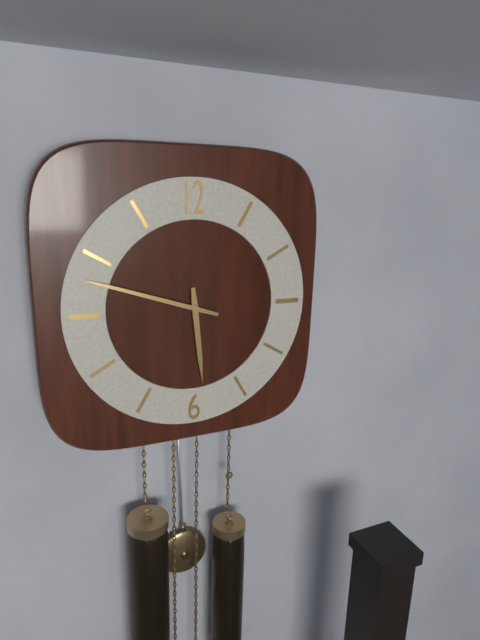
5:48
